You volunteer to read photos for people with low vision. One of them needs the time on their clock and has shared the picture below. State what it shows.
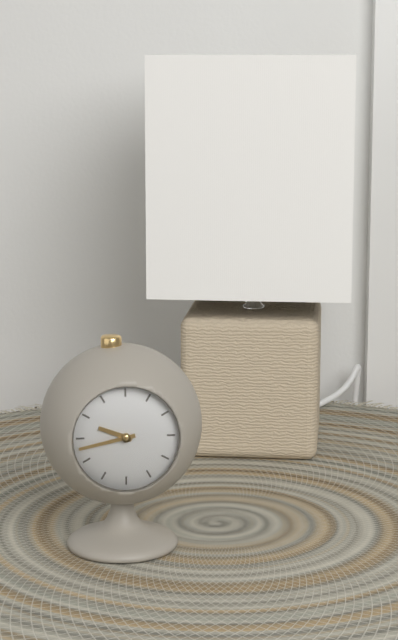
9:43
